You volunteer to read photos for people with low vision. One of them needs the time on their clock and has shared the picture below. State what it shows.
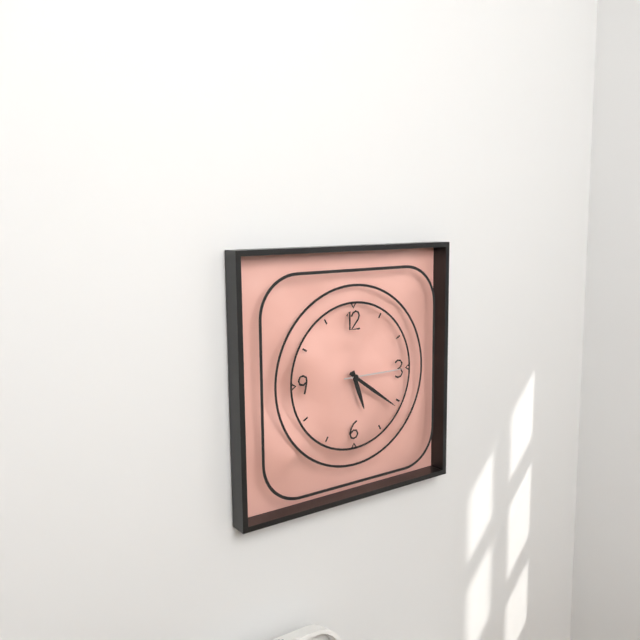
5:21:15
